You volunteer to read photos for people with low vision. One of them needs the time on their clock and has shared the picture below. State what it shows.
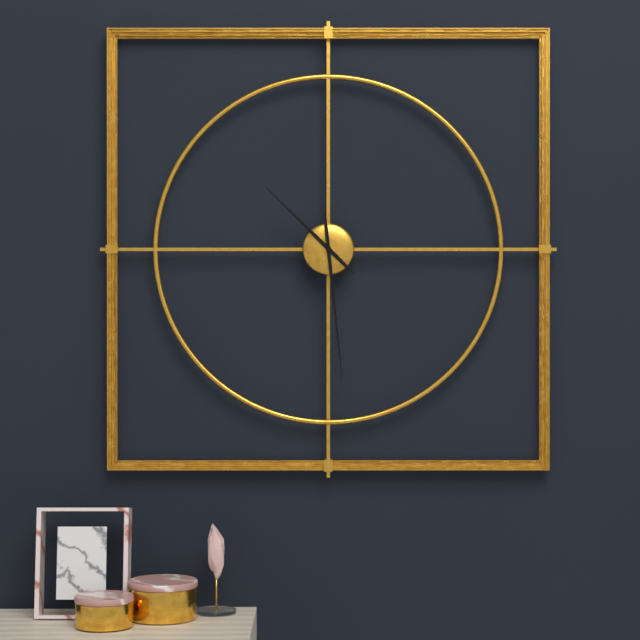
10:29
